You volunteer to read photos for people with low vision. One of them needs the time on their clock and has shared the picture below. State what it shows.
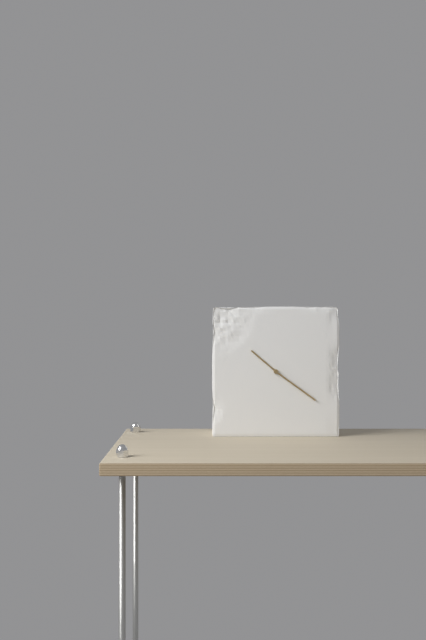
10:21
